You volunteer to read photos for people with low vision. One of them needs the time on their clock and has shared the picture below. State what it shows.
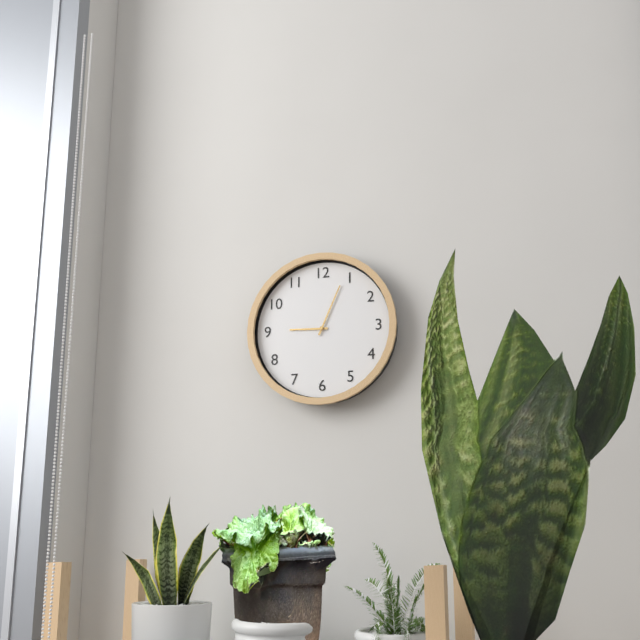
9:04
